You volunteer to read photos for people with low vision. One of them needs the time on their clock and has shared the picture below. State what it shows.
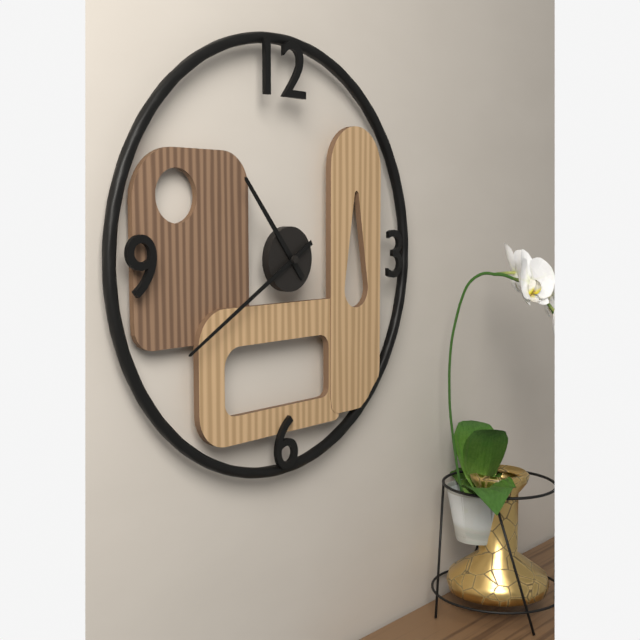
10:40
